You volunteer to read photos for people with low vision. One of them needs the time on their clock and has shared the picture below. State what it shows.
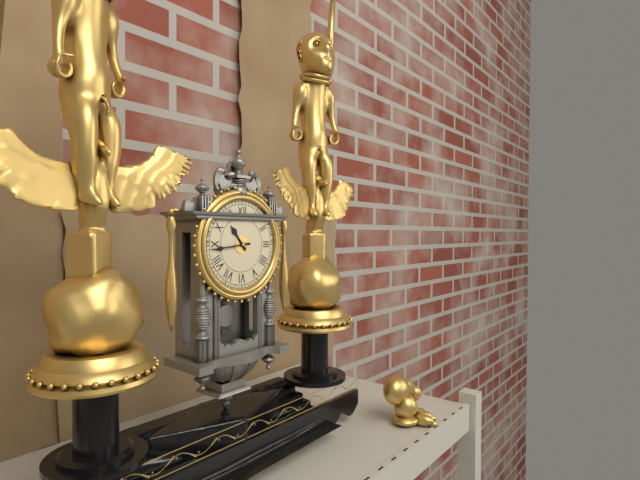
10:44
